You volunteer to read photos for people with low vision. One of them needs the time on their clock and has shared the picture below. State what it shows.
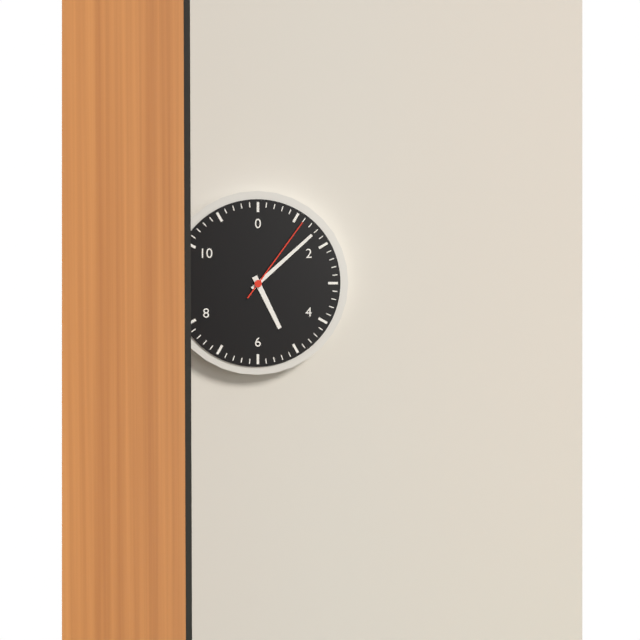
5:08:06
